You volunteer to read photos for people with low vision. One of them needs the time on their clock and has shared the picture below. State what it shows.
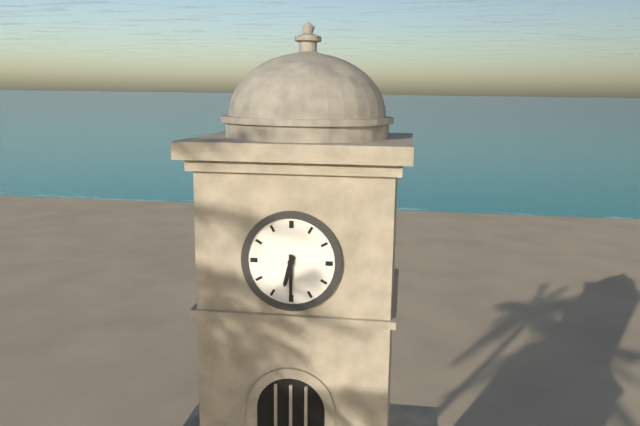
6:30
